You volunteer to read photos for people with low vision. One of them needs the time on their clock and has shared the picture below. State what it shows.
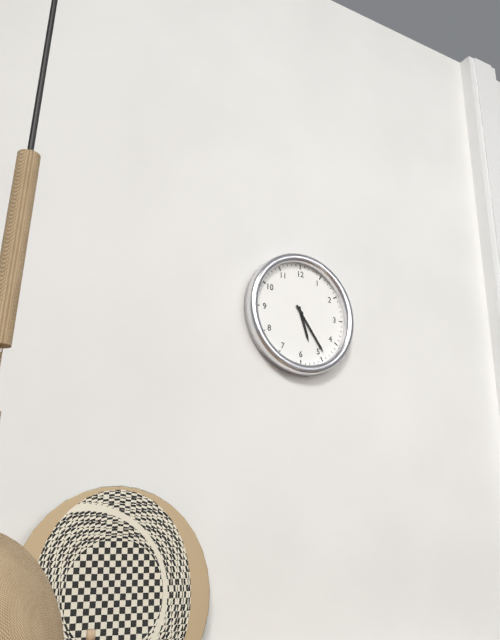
5:24
